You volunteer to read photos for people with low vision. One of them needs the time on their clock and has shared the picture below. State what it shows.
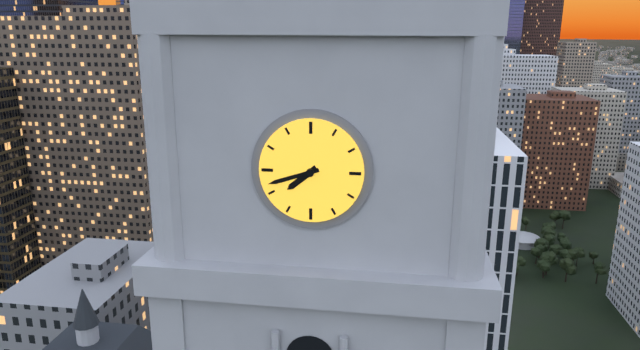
7:42
